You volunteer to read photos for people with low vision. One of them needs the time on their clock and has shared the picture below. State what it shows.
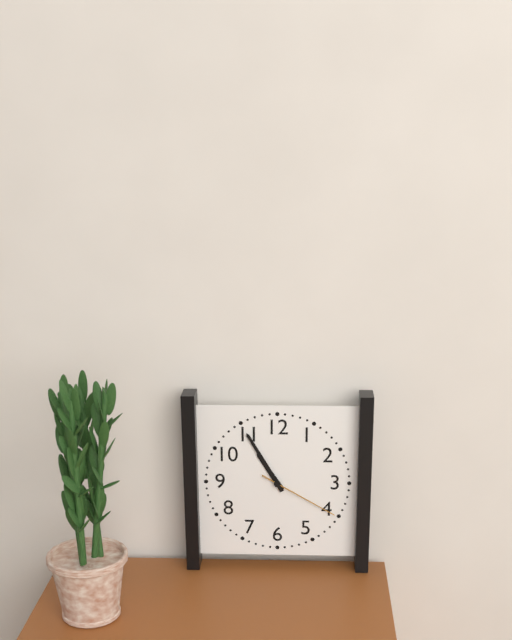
10:55:20
